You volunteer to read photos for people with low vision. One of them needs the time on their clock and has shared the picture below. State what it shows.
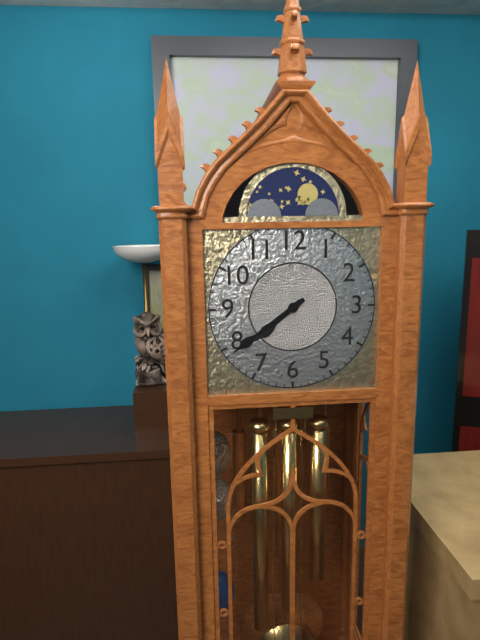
7:39
